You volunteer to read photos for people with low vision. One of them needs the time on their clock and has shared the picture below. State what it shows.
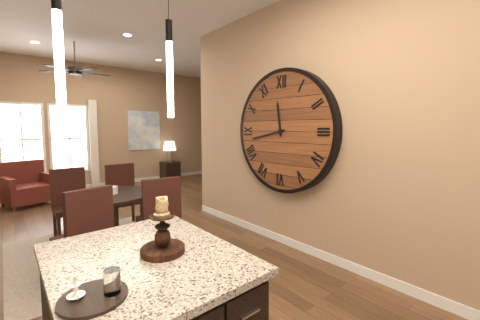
11:43
